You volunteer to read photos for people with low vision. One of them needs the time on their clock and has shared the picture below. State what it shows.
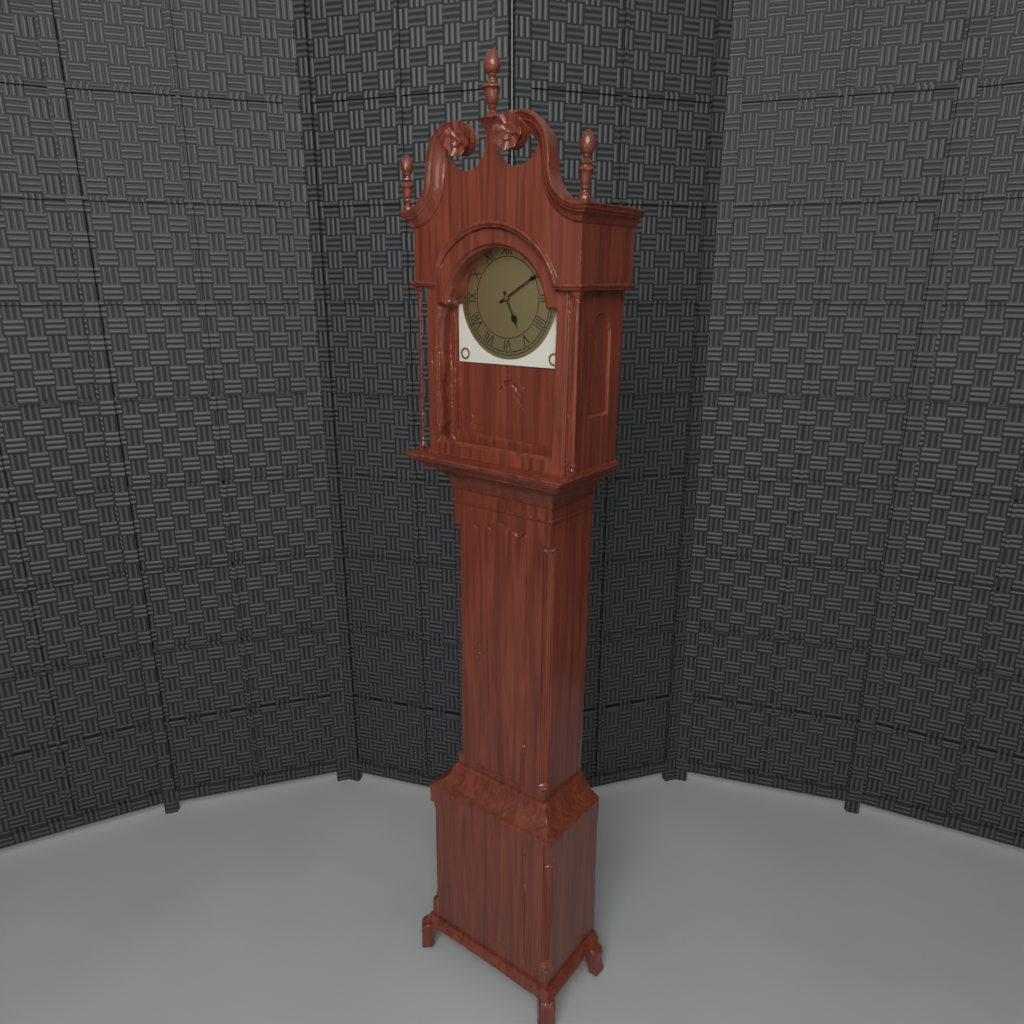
5:10
